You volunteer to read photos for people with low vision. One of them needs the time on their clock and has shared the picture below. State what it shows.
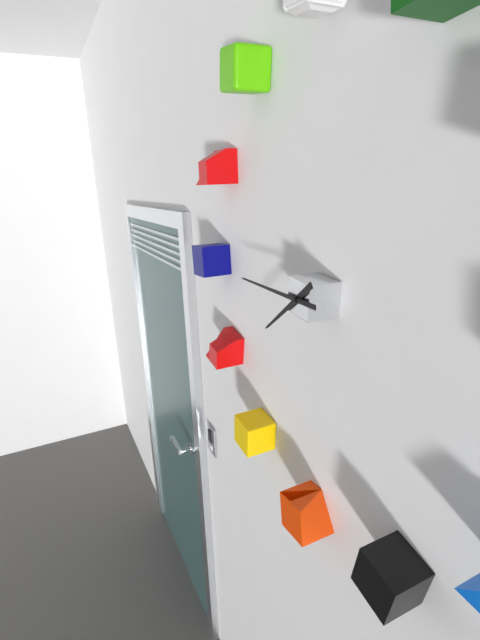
7:45
